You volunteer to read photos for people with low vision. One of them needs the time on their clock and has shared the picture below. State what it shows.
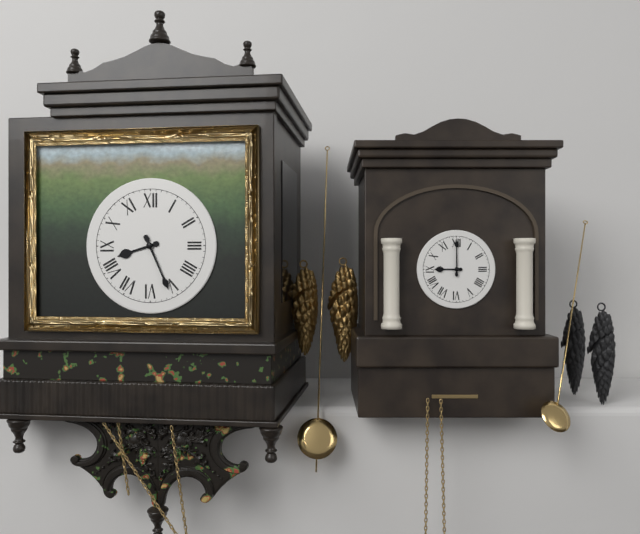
8:26
